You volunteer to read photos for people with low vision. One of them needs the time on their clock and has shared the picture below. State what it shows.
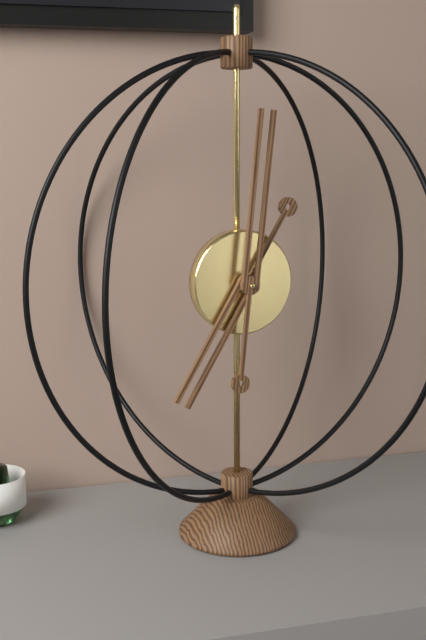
7:01
